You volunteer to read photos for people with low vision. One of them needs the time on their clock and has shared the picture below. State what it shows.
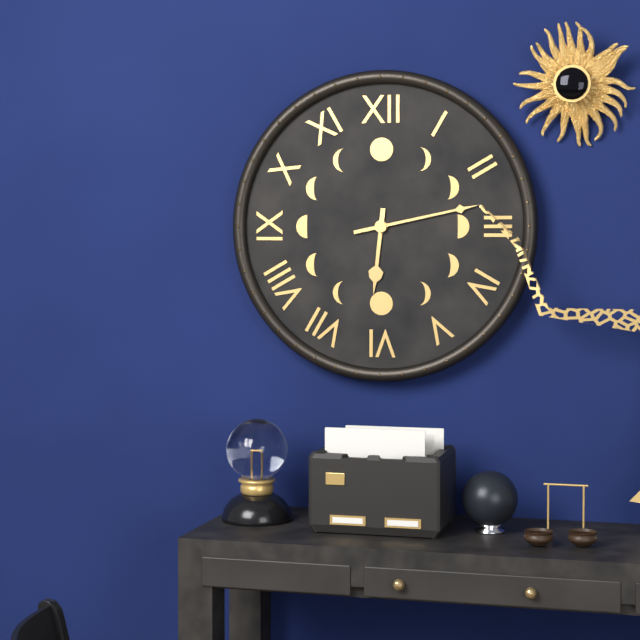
6:13
